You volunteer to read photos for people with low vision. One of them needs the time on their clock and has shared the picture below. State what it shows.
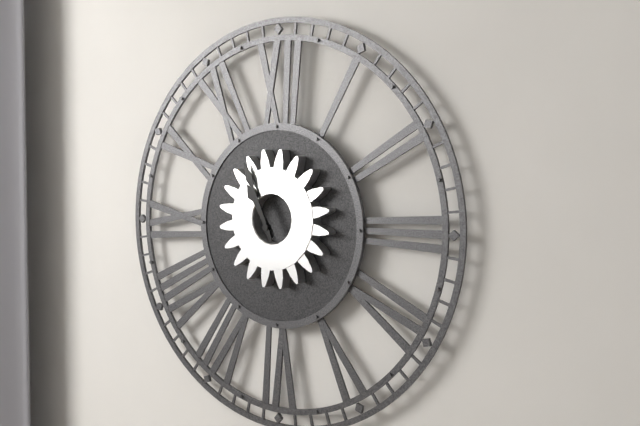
10:56
